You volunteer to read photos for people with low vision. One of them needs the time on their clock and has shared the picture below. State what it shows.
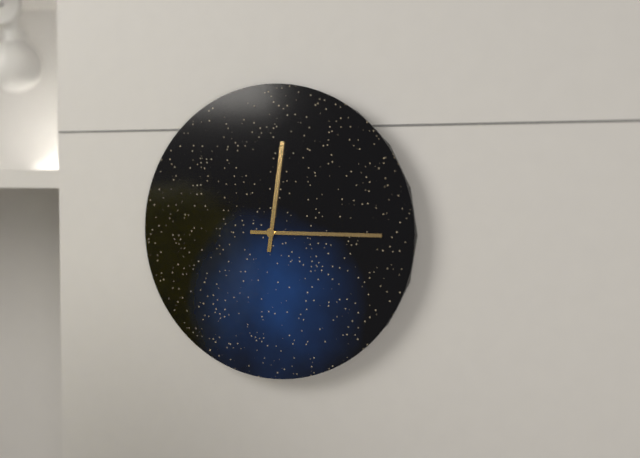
12:15
